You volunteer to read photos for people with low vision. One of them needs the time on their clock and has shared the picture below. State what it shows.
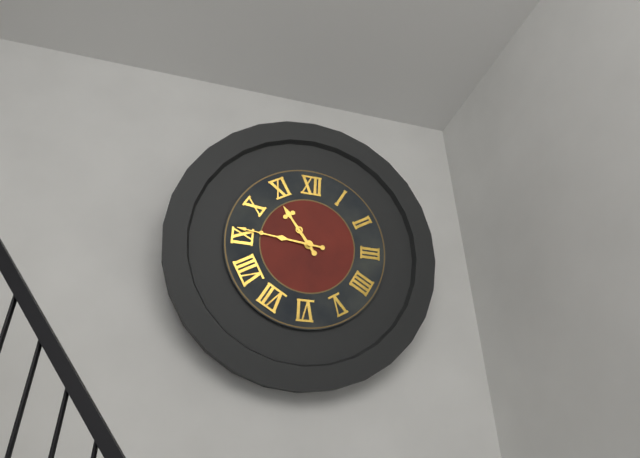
10:46
